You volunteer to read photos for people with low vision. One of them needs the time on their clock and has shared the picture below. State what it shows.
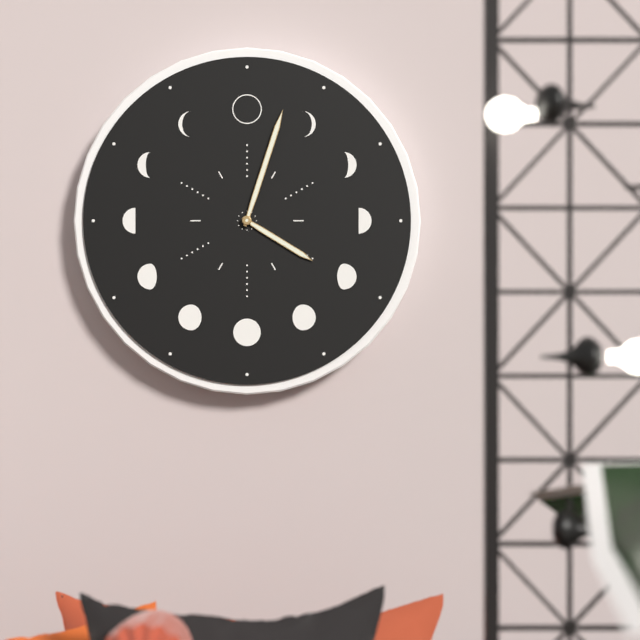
4:03
